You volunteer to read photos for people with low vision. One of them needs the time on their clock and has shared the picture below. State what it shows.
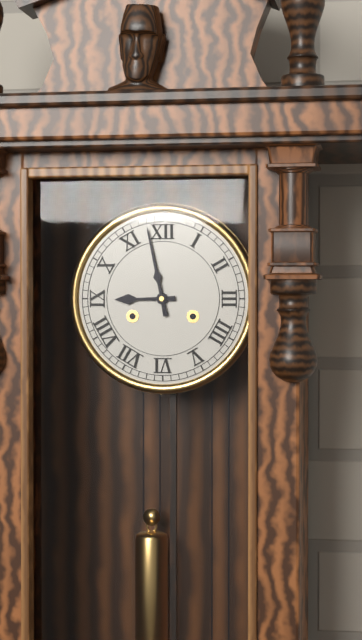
8:58
